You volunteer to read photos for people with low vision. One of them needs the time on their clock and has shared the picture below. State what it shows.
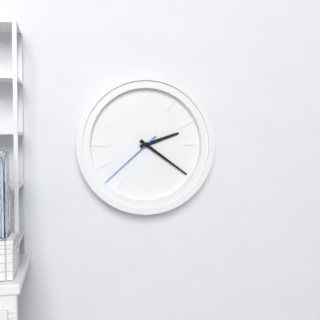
2:21:38
